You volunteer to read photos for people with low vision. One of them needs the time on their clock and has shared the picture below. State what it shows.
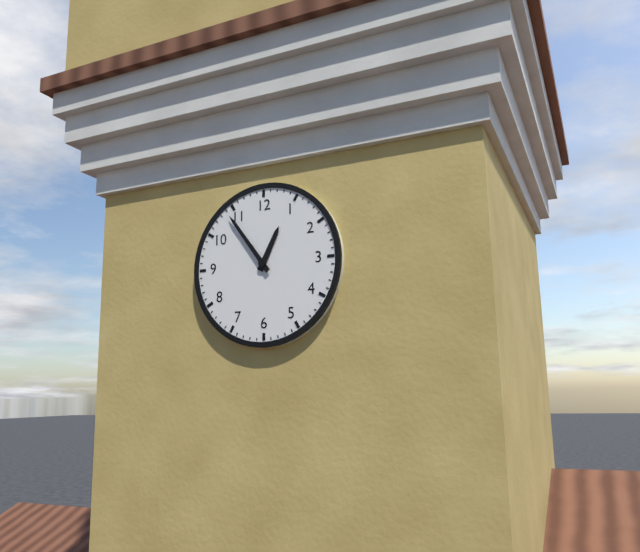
12:54
